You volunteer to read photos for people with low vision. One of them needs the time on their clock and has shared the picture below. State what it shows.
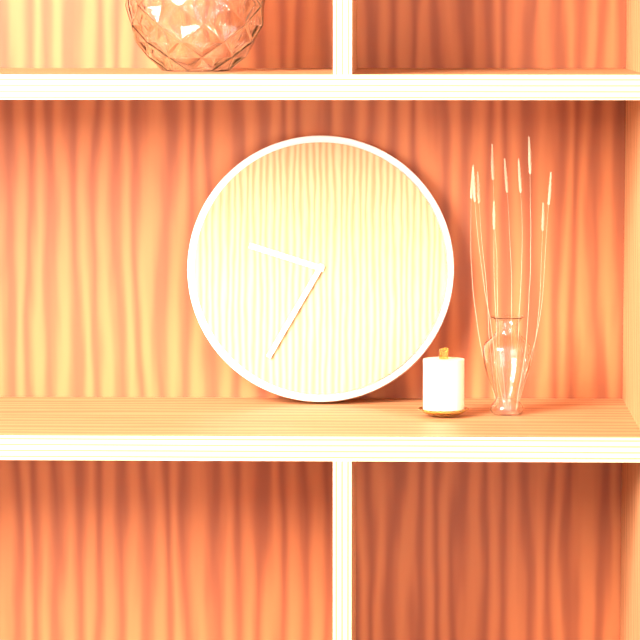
9:35
